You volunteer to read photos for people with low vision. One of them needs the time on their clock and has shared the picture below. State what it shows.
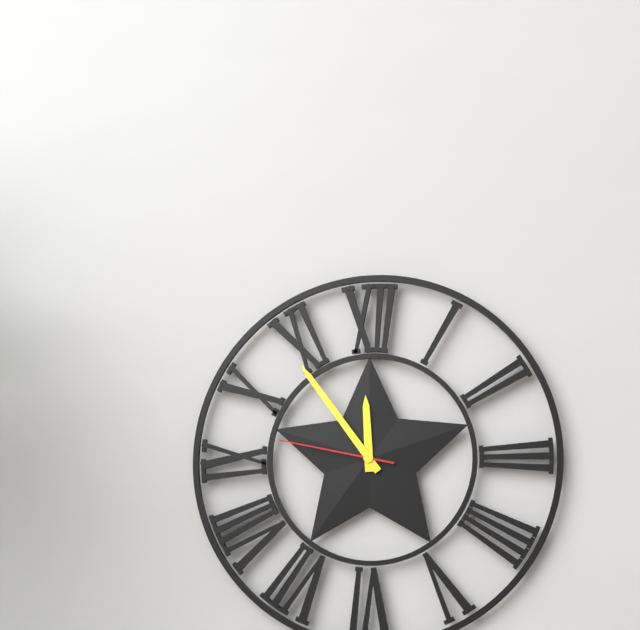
11:54:47
